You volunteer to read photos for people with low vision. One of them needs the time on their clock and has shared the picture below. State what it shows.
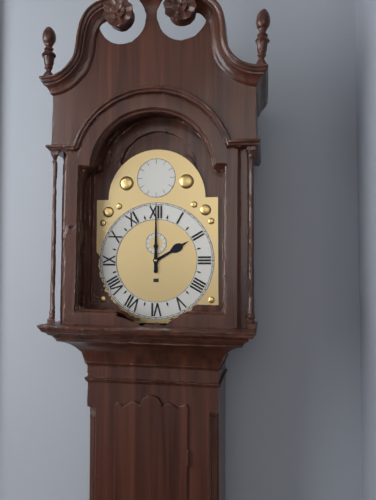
2:00
